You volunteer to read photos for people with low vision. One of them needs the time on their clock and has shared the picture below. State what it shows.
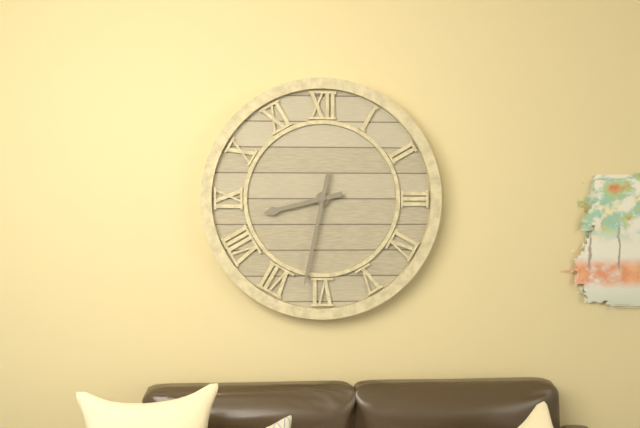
8:32
